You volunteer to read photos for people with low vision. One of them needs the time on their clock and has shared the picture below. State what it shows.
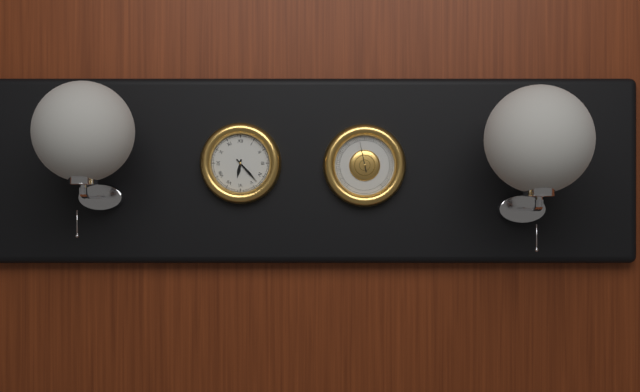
6:23
